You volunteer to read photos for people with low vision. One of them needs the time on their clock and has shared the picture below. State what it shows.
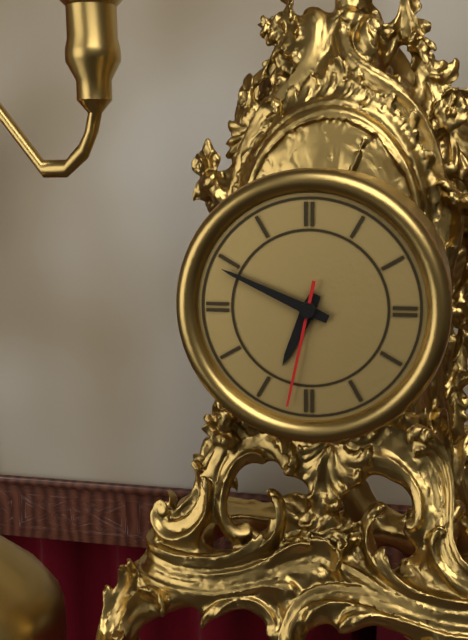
6:49:32
